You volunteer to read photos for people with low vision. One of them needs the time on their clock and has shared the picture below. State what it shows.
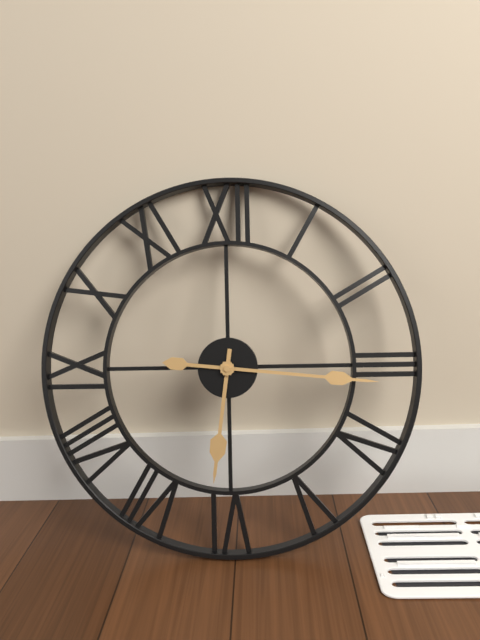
6:16
